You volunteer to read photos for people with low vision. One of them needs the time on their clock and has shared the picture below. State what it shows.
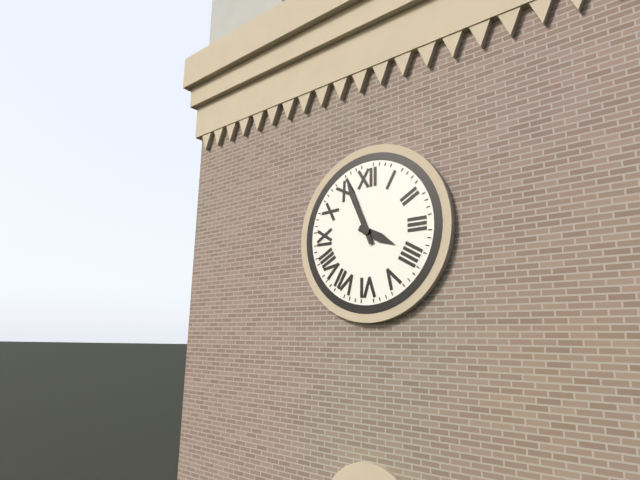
3:56
